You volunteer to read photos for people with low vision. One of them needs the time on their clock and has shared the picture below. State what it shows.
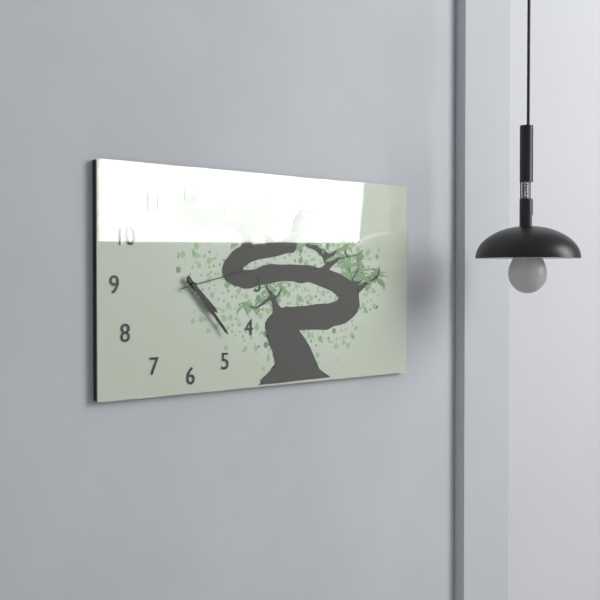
4:23:13
